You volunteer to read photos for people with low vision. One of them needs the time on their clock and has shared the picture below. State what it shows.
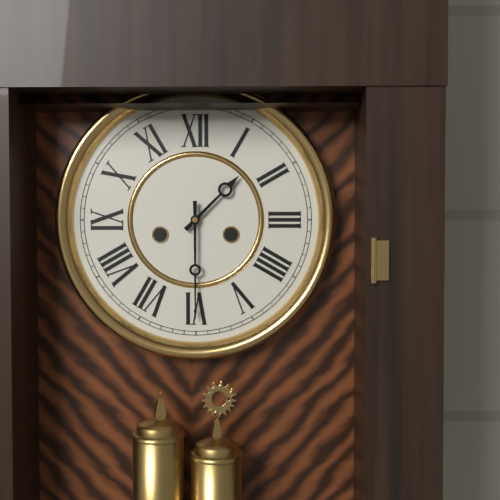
1:30
